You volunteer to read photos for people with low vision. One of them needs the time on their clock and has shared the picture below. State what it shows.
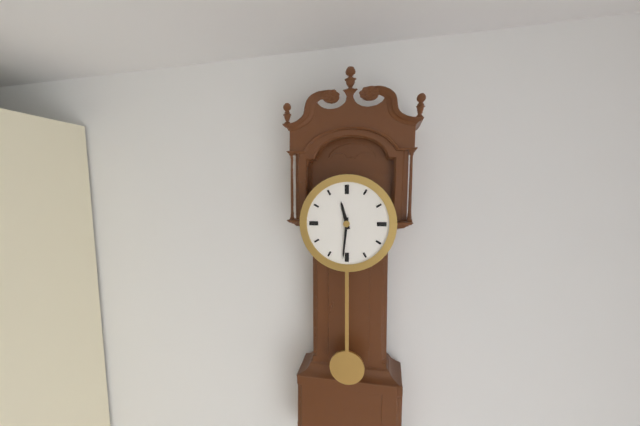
11:31
